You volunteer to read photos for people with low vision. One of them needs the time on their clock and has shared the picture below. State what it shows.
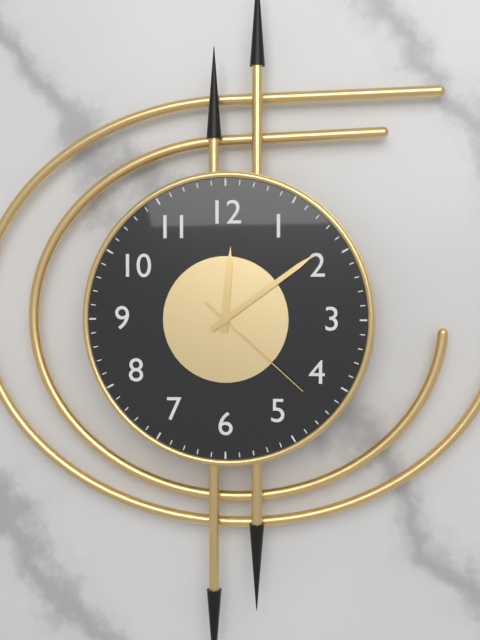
12:09:22
